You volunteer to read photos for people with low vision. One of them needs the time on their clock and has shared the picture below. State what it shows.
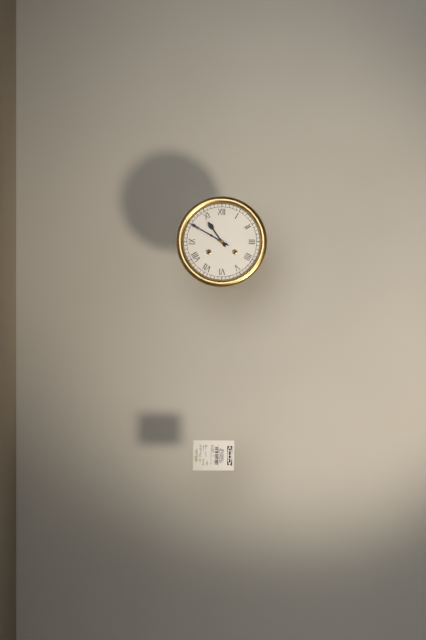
10:50
